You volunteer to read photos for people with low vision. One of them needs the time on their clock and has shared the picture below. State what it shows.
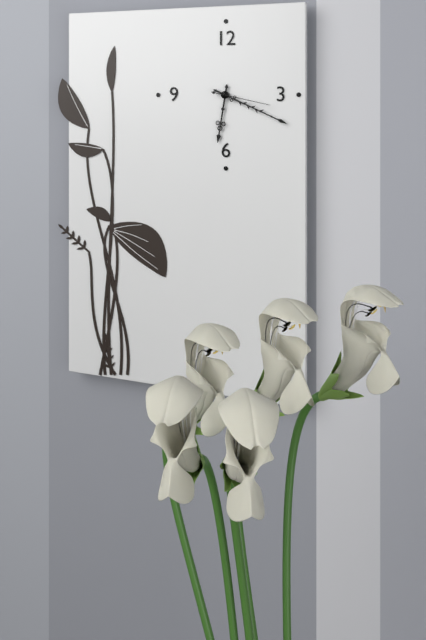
6:19:17
